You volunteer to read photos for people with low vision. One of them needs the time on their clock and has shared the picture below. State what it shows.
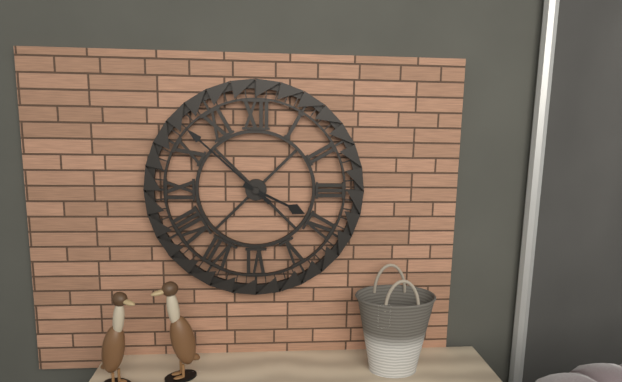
3:52
